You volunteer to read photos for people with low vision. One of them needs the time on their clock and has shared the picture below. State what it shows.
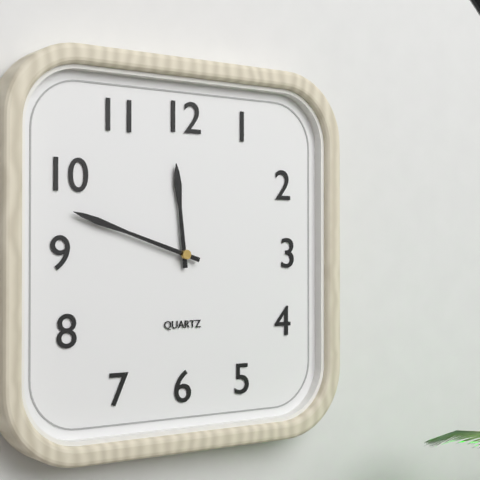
11:48
